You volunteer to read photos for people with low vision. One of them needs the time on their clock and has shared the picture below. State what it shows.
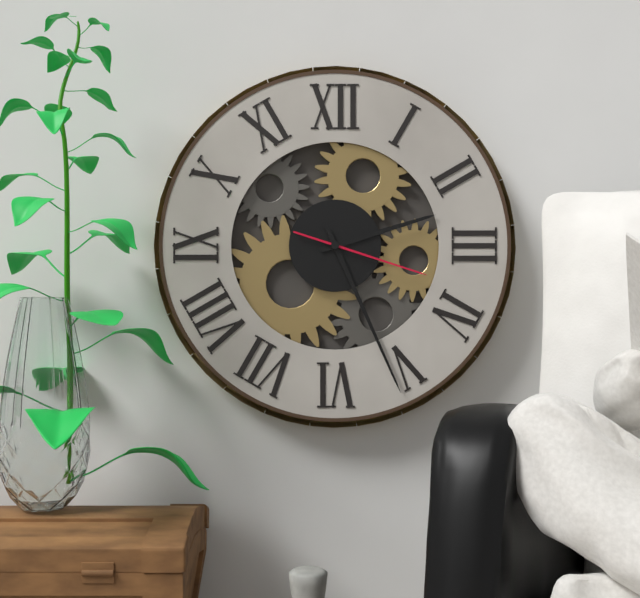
2:26:18
